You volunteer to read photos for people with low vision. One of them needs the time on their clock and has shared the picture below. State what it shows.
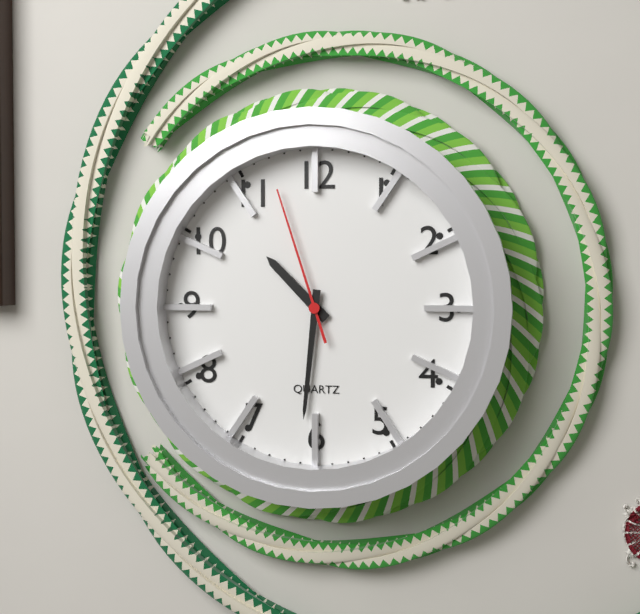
10:31:57
